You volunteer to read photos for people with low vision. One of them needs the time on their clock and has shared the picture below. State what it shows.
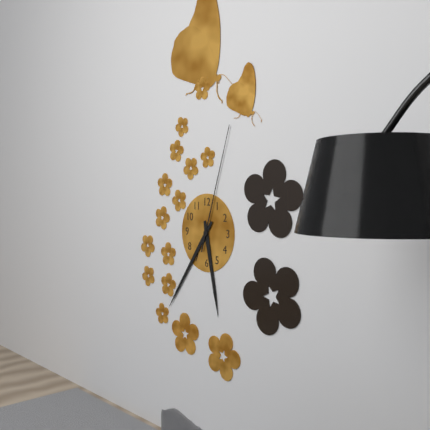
5:36:03
